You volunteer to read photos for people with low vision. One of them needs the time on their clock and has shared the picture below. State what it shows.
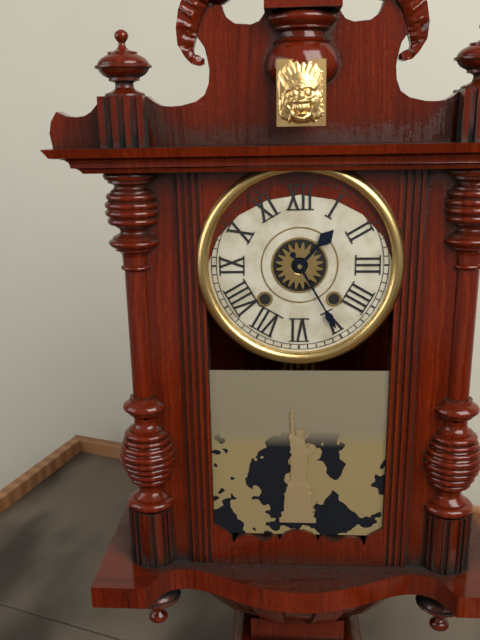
1:25
